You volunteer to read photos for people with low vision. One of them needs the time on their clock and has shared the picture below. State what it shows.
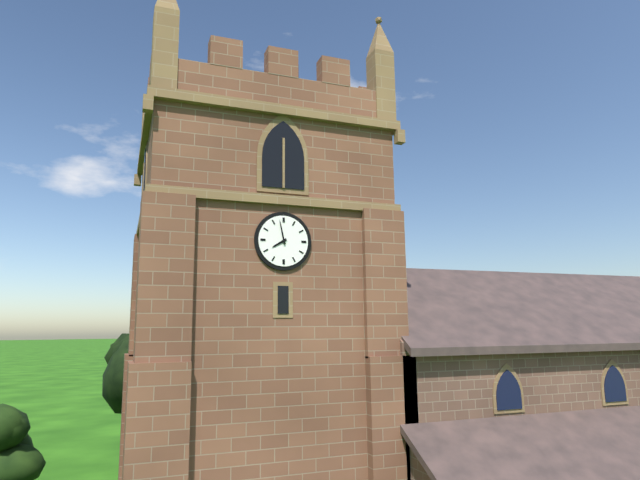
7:58
